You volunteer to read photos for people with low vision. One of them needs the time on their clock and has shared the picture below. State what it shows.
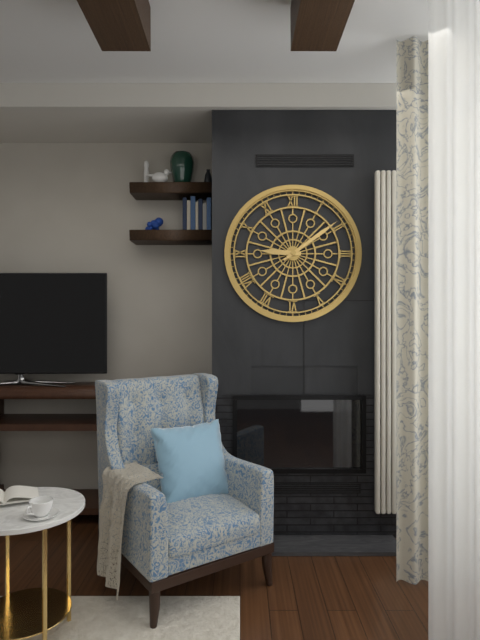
9:09
